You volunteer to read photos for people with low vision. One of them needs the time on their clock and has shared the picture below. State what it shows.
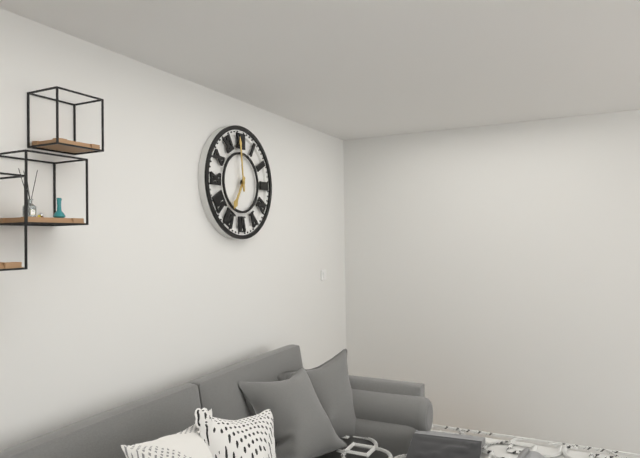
6:59
